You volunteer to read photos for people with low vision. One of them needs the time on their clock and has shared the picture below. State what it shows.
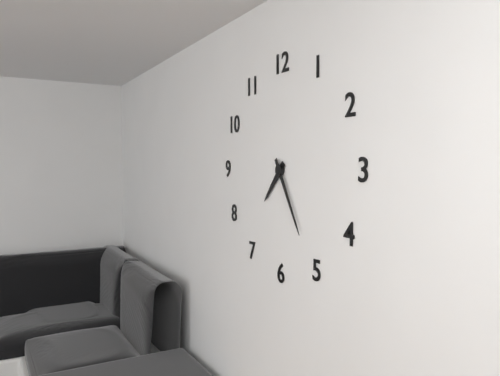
7:25
